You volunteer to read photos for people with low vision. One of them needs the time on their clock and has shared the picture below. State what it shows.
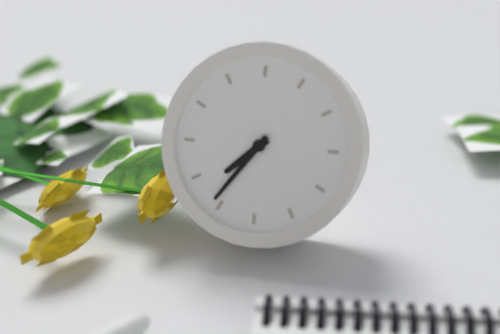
7:36
